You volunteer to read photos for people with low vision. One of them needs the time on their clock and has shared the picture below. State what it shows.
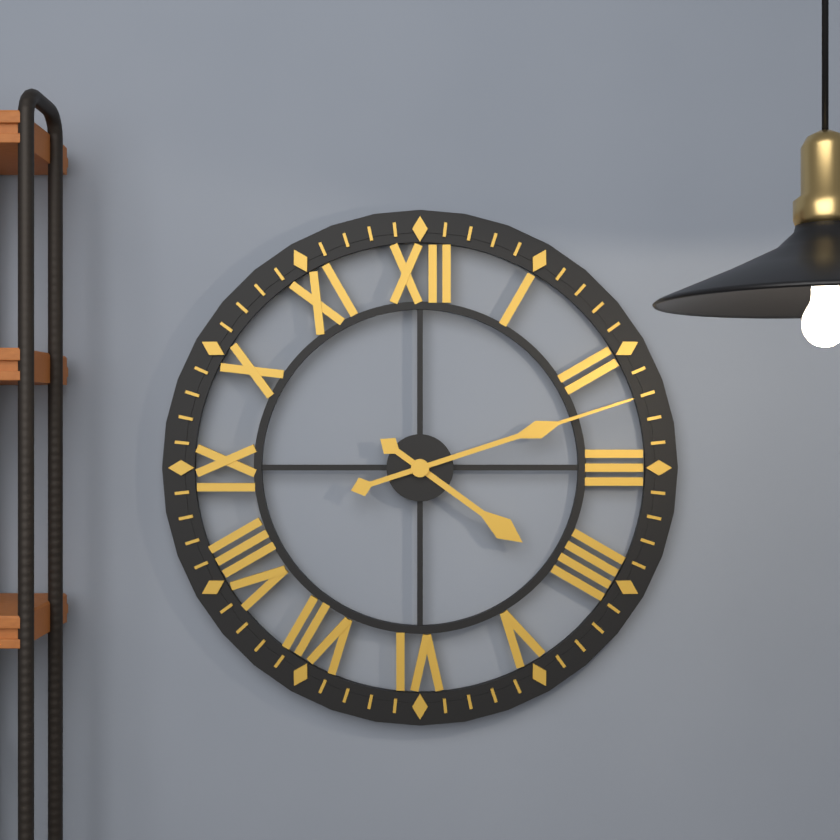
4:12
